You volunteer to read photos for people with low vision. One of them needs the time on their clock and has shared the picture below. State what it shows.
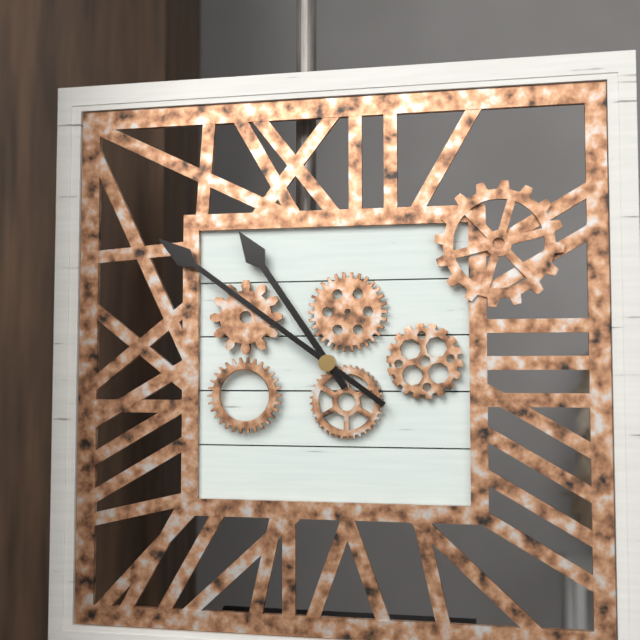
10:51
